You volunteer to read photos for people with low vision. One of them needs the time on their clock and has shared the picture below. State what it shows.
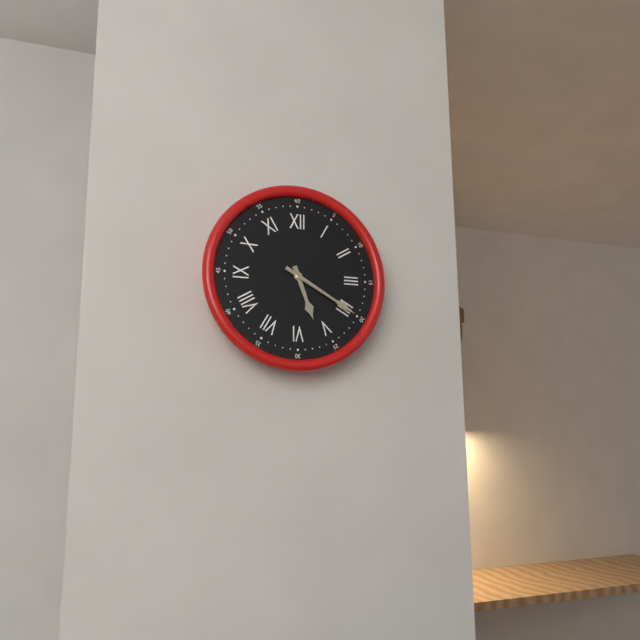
5:20
